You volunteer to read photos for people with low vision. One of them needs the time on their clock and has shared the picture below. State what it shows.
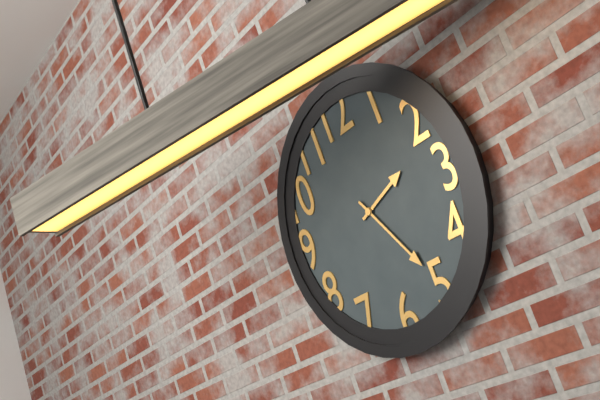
2:25
